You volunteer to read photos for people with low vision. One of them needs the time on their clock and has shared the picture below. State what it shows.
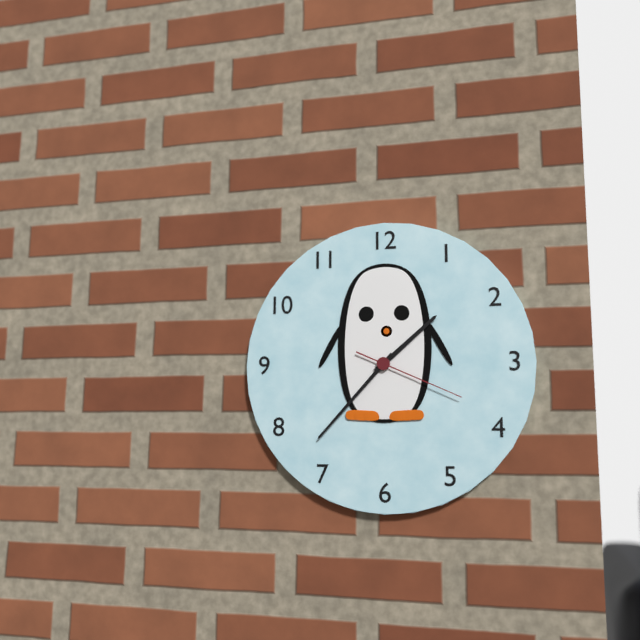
1:37:19
